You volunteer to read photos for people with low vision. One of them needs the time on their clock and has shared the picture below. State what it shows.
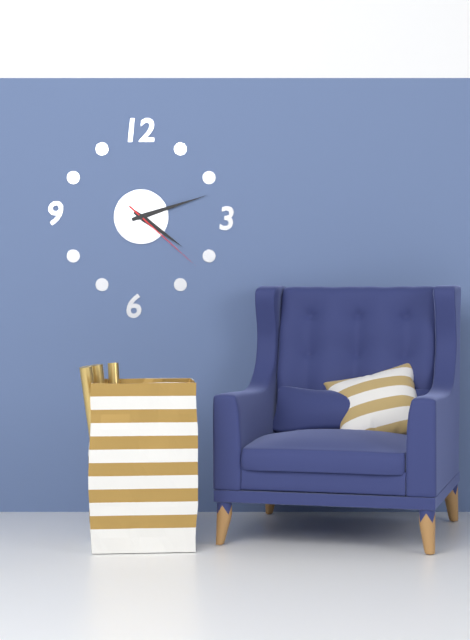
4:12:22
